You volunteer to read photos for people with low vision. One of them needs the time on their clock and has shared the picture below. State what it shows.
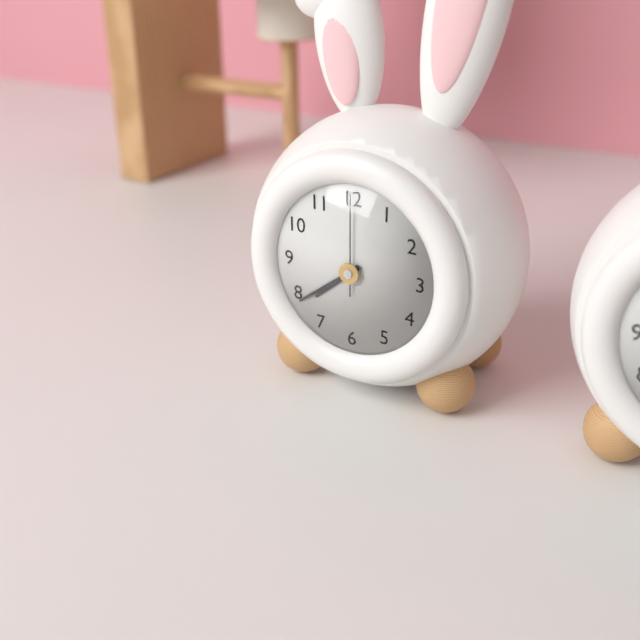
7:39:00
